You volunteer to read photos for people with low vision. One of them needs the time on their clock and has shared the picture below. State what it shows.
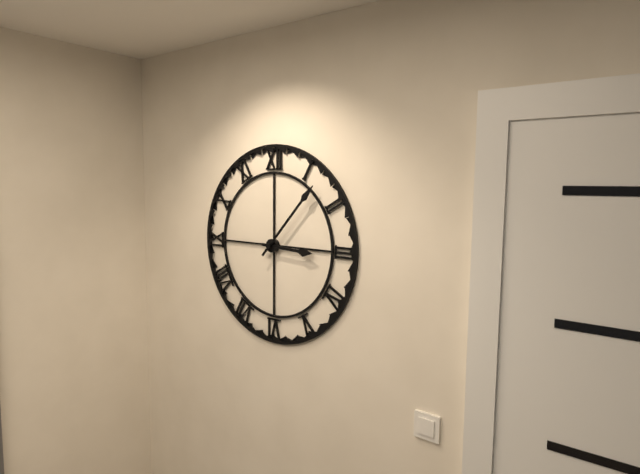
3:07
